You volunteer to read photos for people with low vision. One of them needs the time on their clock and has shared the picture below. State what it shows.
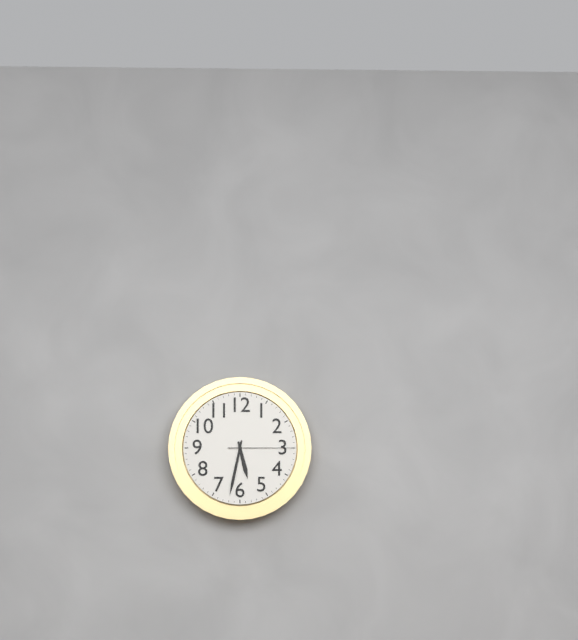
5:32:15
